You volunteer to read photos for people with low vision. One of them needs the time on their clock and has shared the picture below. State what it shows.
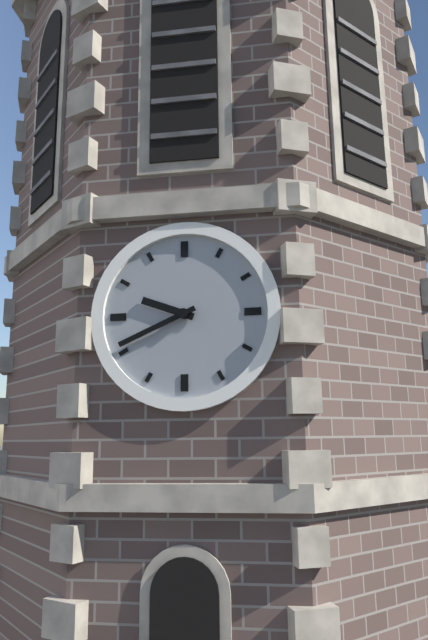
9:41
